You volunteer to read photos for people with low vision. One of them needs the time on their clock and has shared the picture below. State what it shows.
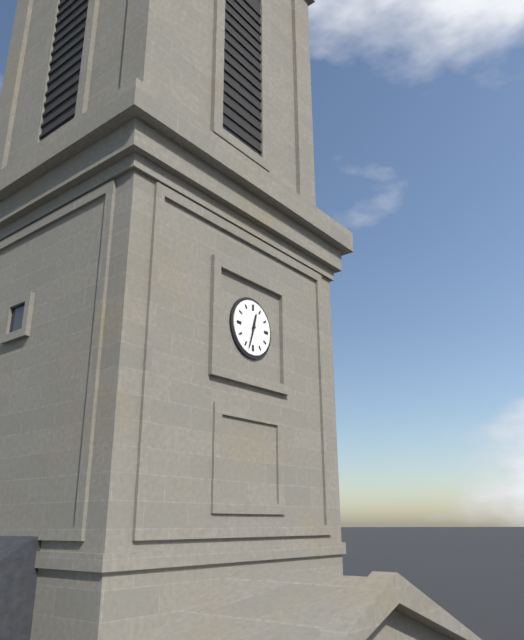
12:33
